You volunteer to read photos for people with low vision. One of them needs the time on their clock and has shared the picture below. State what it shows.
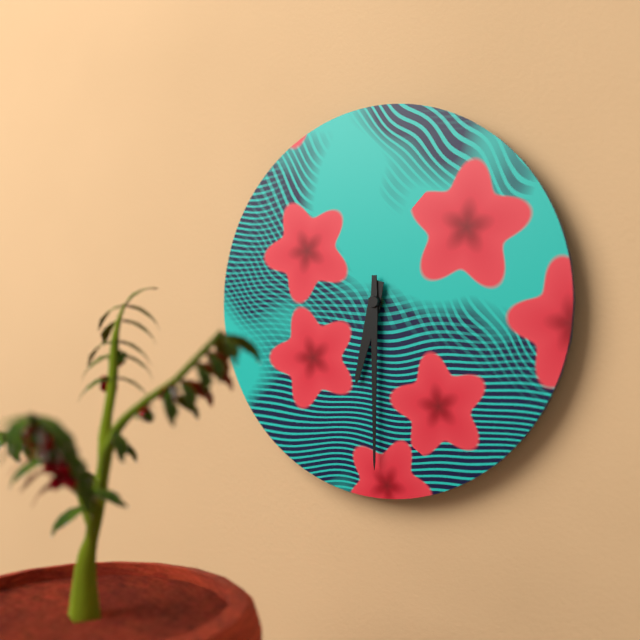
6:30
